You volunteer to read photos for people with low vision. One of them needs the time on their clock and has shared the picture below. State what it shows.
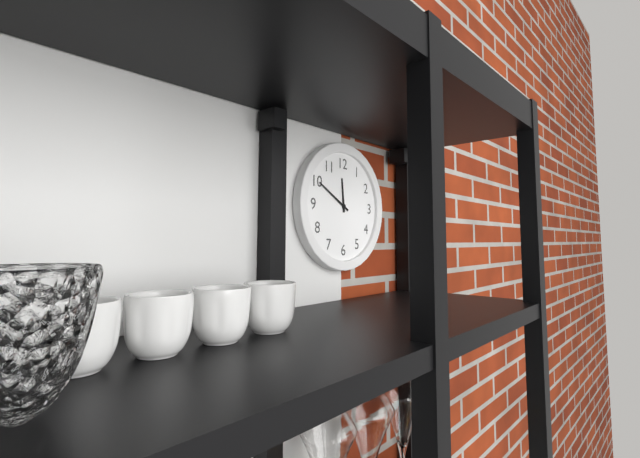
11:50
